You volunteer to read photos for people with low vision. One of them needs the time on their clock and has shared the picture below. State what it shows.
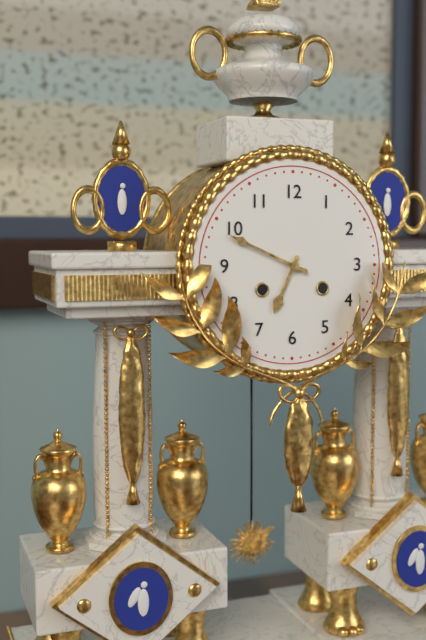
6:49
